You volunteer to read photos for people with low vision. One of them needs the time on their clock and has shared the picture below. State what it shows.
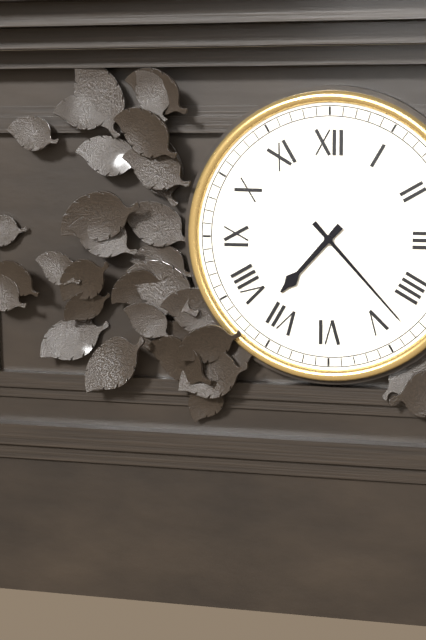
7:23
